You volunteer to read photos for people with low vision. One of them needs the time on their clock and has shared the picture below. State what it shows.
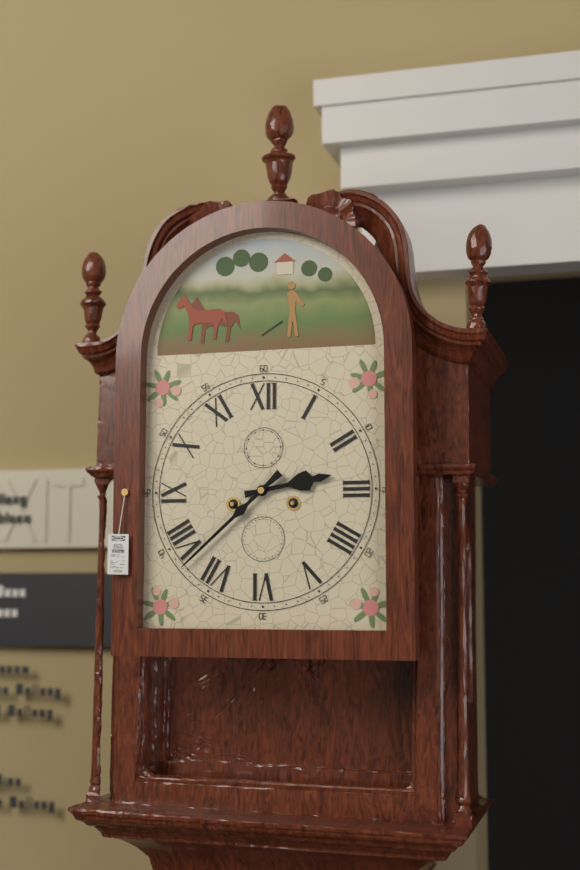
2:38
